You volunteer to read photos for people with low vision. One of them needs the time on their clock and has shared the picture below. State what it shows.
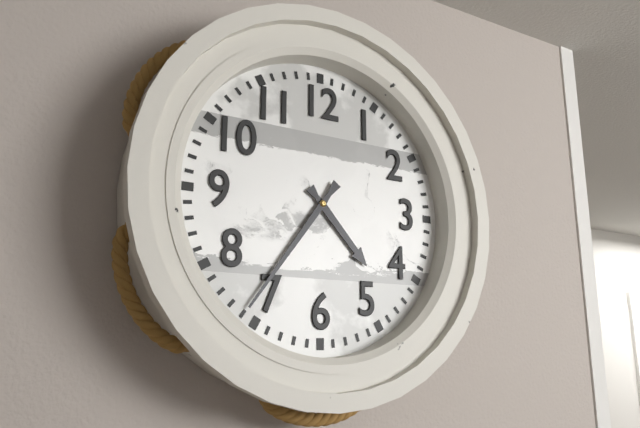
4:36
